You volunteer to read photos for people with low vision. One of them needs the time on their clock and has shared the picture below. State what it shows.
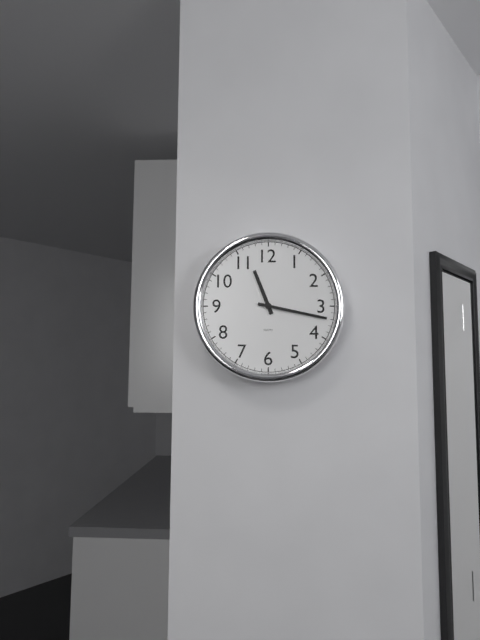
11:17
